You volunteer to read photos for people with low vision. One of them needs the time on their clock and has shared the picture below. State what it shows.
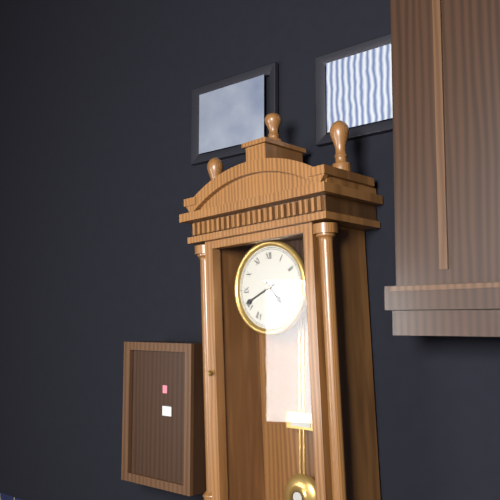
4:41
